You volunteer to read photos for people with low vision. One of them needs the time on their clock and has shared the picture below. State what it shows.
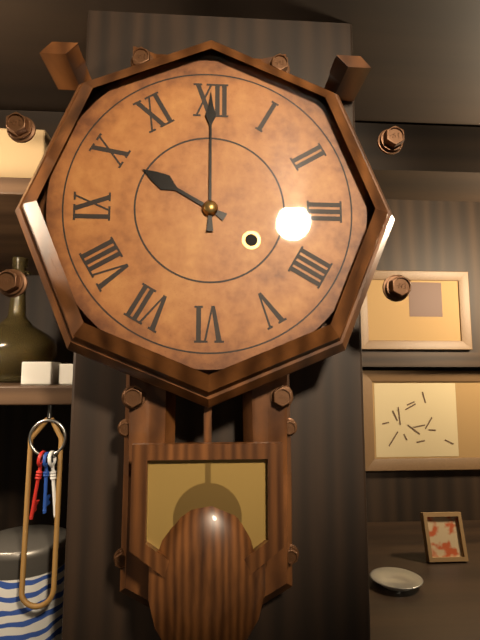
10:00
